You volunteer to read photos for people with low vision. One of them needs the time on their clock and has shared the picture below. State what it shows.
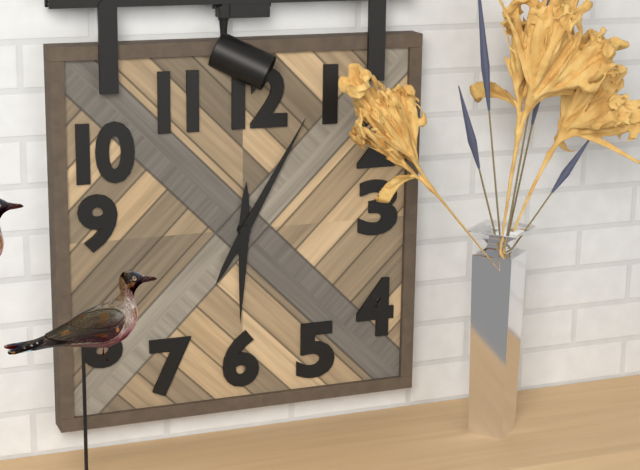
6:05
